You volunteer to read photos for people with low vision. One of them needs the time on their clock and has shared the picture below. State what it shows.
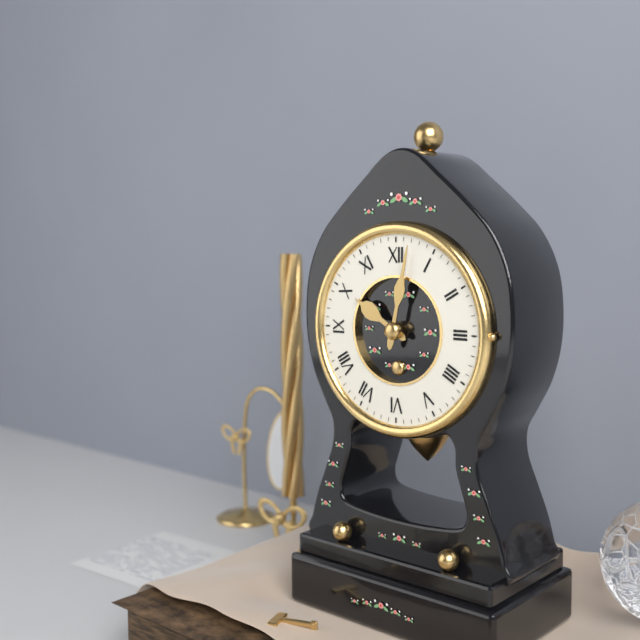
10:02
